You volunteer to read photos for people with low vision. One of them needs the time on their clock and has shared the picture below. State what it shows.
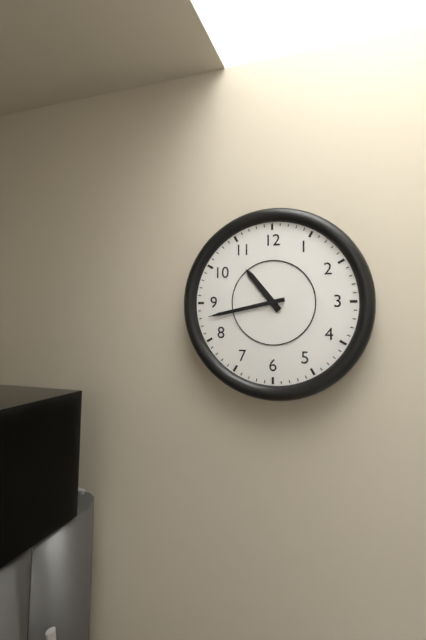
10:43
